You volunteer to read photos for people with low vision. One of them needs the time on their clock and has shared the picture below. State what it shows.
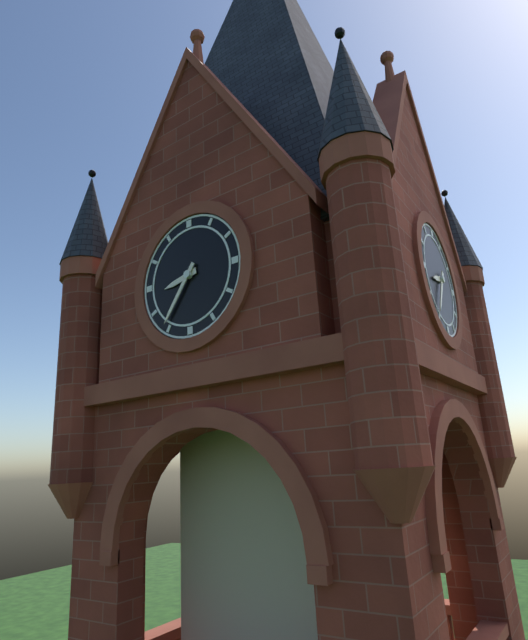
8:36
